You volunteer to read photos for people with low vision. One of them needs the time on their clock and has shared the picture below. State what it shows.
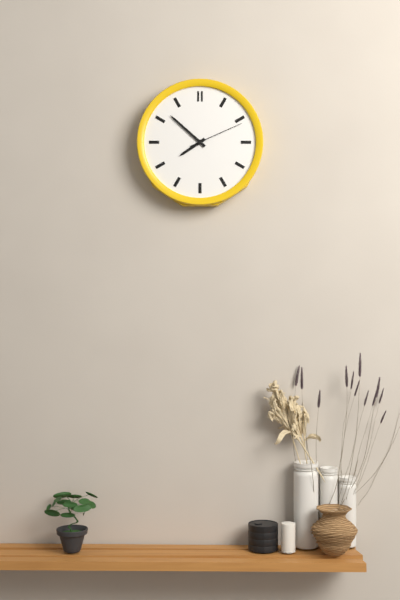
7:52:11
